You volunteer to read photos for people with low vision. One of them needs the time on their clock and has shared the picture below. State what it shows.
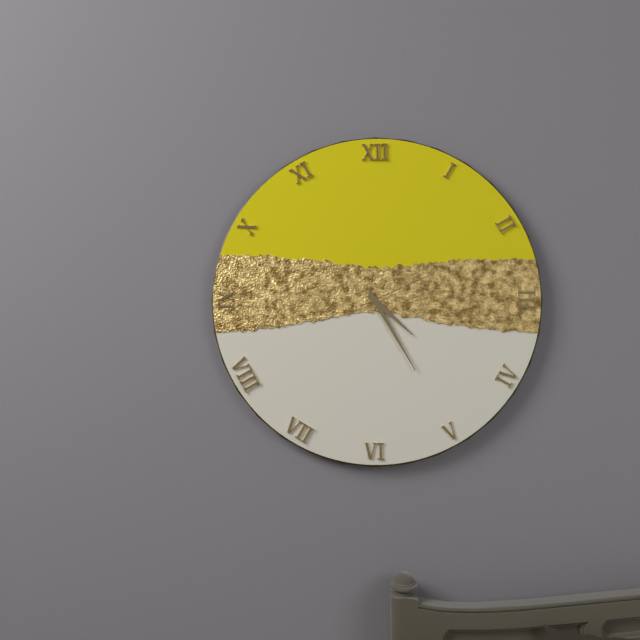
4:25:11
